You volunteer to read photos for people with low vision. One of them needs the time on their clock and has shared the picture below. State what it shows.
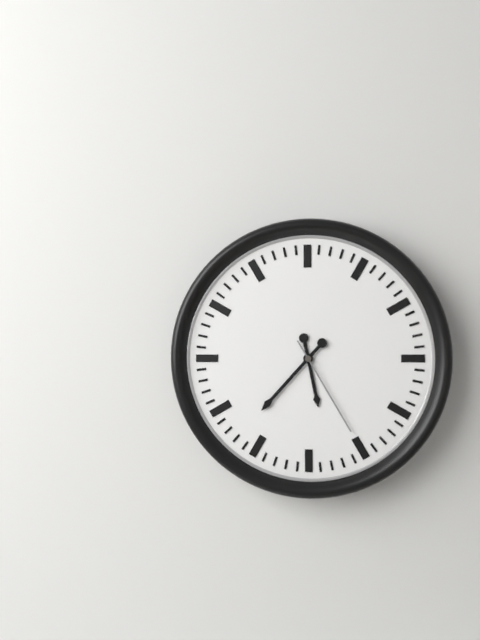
5:37:25
